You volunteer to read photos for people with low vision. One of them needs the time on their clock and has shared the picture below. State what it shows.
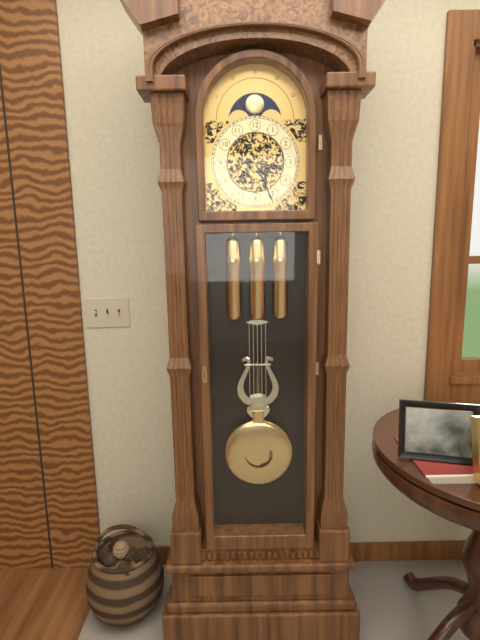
3:26
